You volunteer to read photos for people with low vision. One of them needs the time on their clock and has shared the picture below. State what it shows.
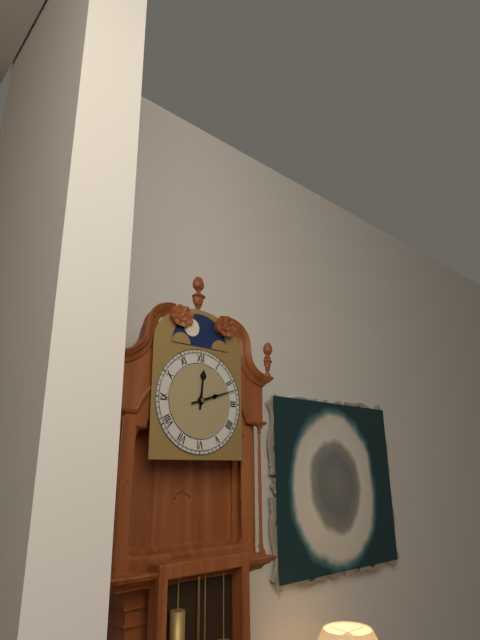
12:12
